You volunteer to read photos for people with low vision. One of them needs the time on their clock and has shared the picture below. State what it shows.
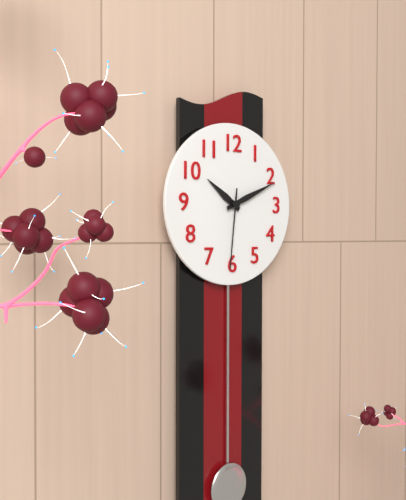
10:11:31
